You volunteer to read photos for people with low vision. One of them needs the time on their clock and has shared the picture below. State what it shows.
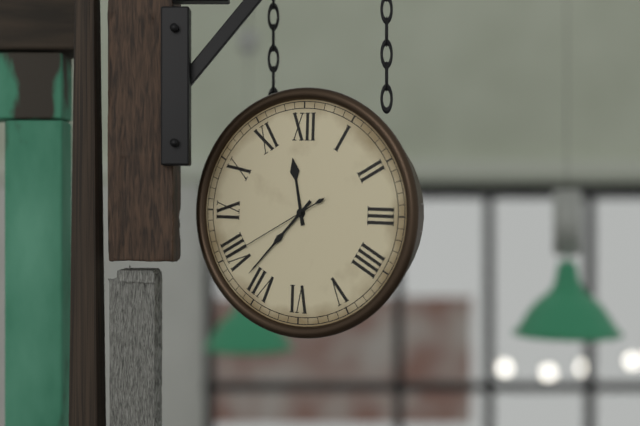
11:37:40
